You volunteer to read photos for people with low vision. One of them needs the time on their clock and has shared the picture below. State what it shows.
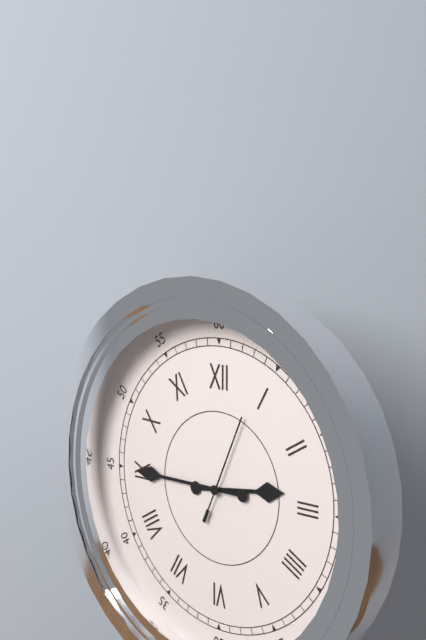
2:45:04
